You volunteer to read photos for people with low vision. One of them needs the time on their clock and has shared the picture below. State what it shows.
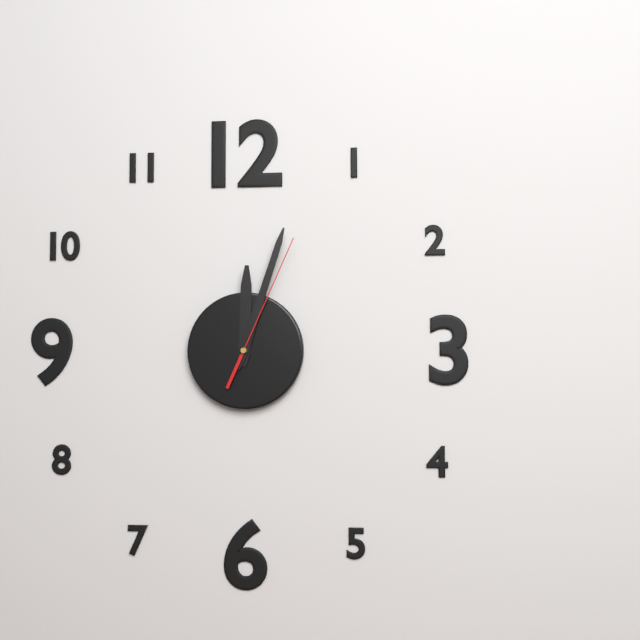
12:03:04
